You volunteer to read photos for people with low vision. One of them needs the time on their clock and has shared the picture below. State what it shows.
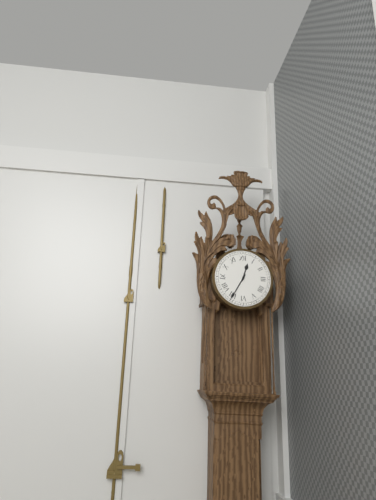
12:35
